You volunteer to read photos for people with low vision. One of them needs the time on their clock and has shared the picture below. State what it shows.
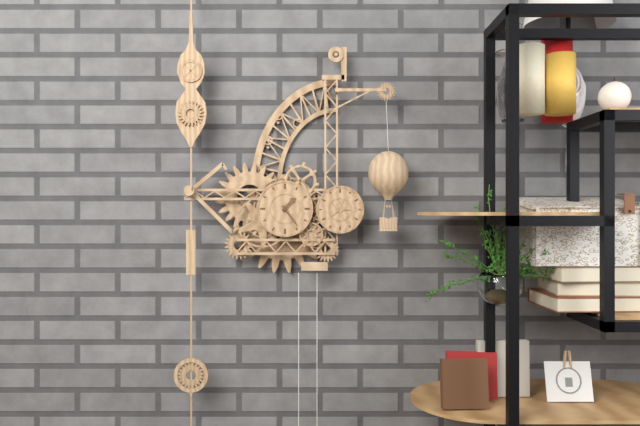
1:24
